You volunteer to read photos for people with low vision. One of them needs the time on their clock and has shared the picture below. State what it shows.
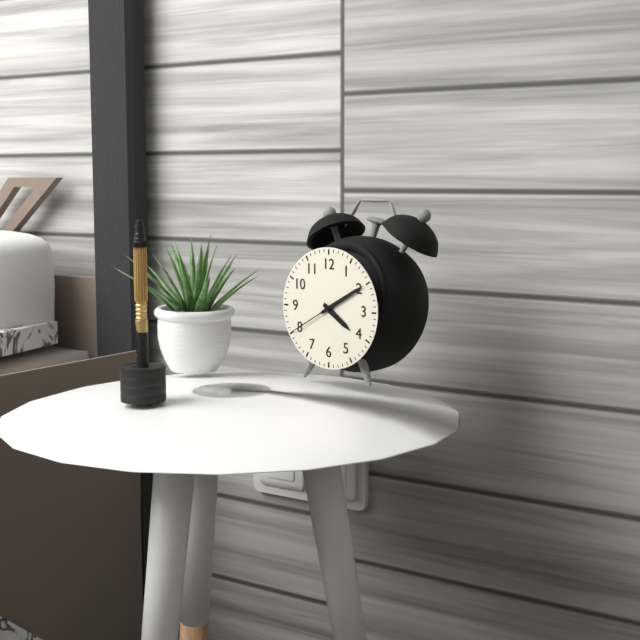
4:10:40
